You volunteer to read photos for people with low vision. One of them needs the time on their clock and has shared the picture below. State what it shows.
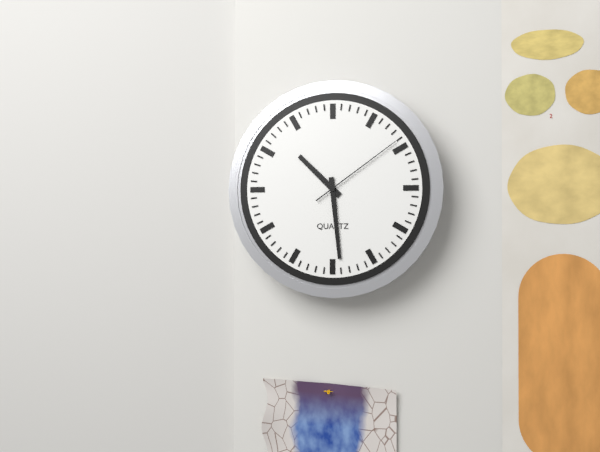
10:29:09
